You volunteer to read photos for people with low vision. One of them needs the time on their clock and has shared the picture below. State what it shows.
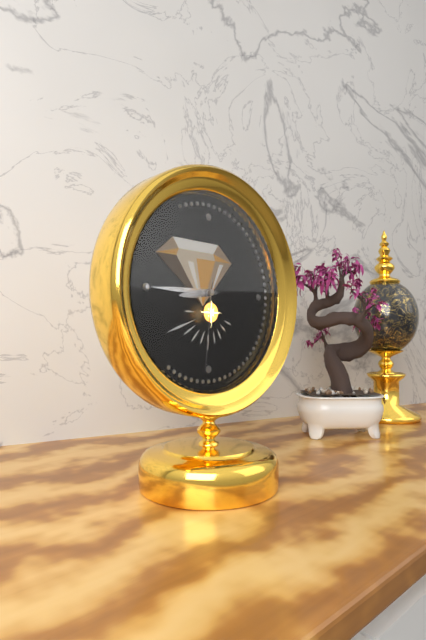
8:45:31
